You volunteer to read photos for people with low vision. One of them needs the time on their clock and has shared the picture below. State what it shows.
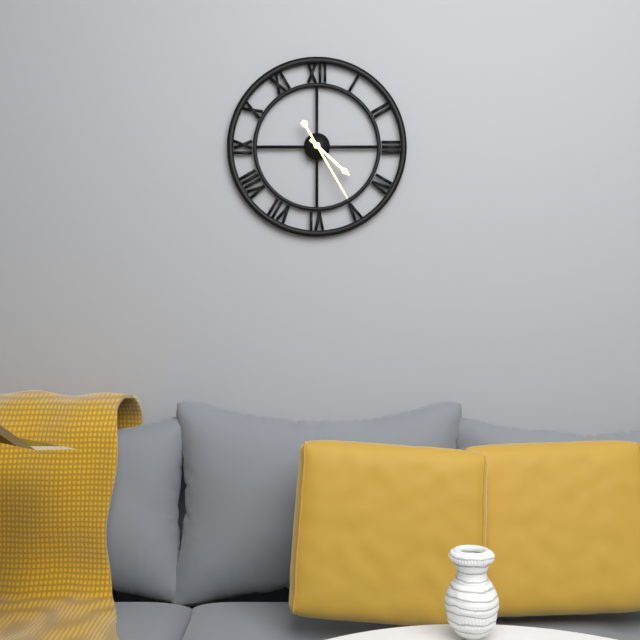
4:25
